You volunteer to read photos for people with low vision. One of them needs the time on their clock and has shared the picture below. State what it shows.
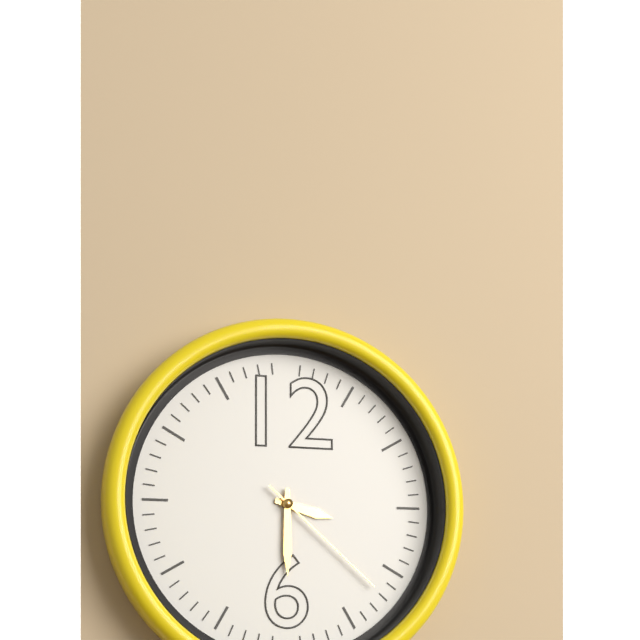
3:30:22
